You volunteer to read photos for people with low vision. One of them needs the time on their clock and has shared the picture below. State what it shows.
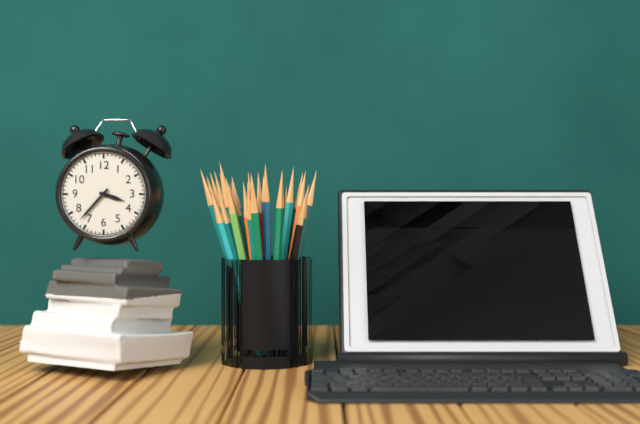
3:37
